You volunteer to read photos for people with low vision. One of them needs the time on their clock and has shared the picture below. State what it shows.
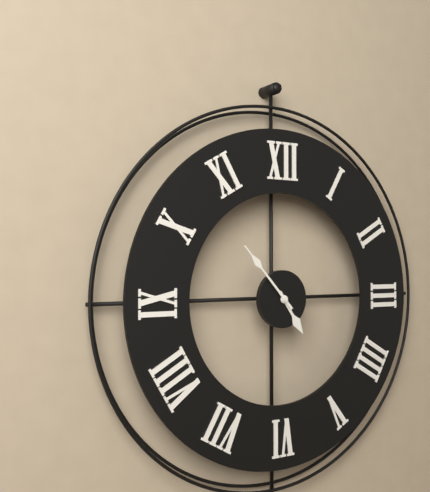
4:53
